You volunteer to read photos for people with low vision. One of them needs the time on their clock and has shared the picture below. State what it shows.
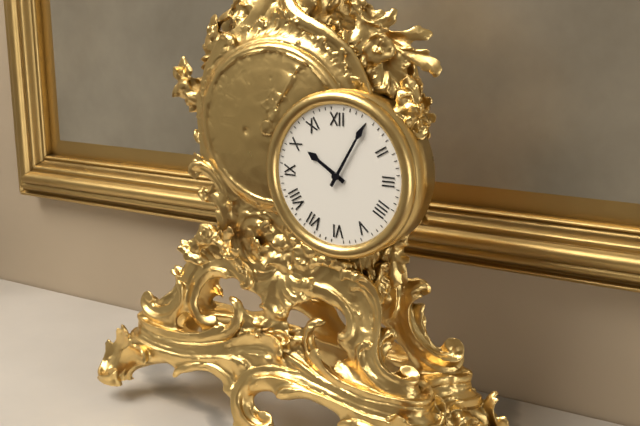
10:05
